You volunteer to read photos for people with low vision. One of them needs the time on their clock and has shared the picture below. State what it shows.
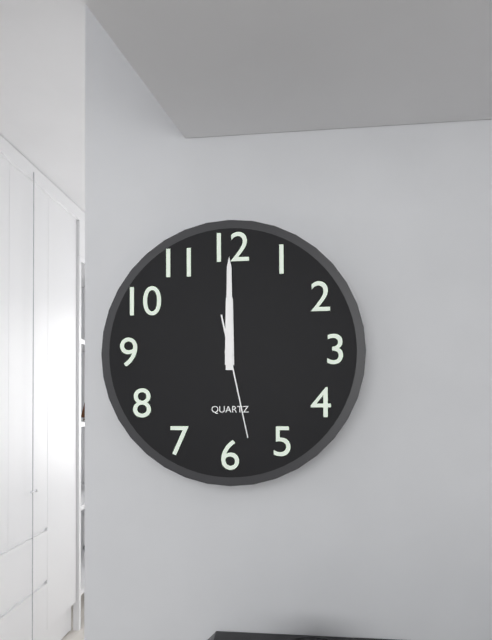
12:00:28
